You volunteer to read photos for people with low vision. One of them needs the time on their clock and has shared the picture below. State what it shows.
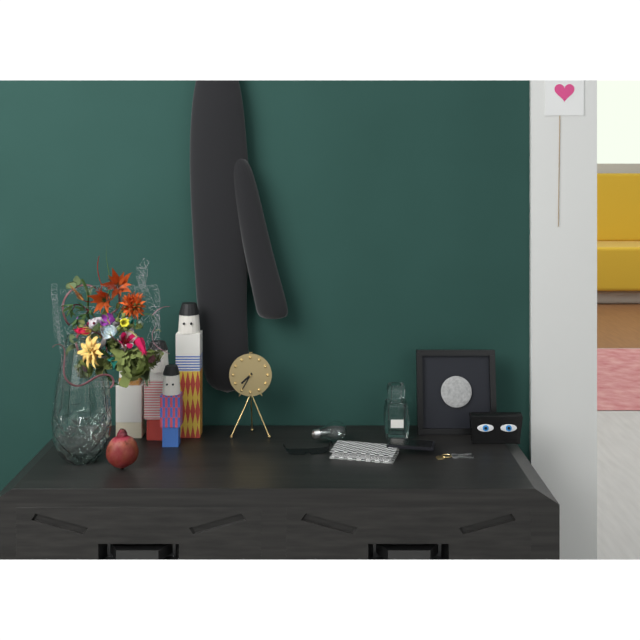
7:35
